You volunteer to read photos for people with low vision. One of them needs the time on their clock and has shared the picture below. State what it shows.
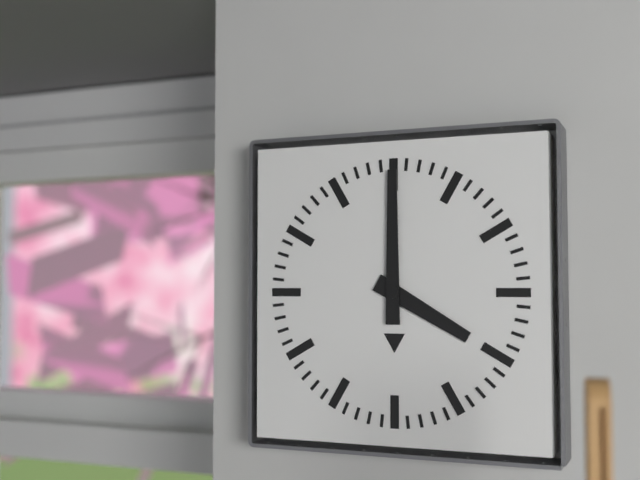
4:00
